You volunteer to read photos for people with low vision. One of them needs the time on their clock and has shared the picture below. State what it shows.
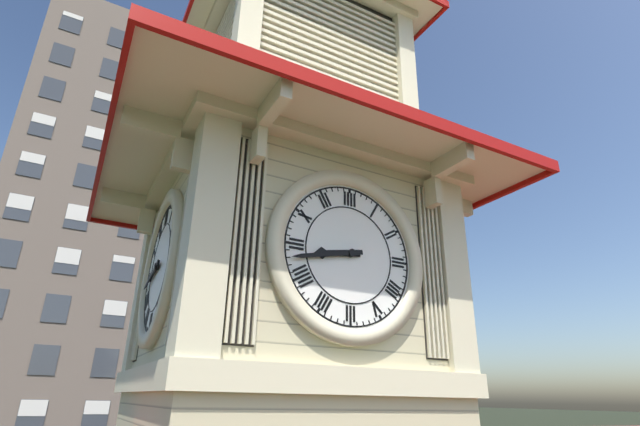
8:43
